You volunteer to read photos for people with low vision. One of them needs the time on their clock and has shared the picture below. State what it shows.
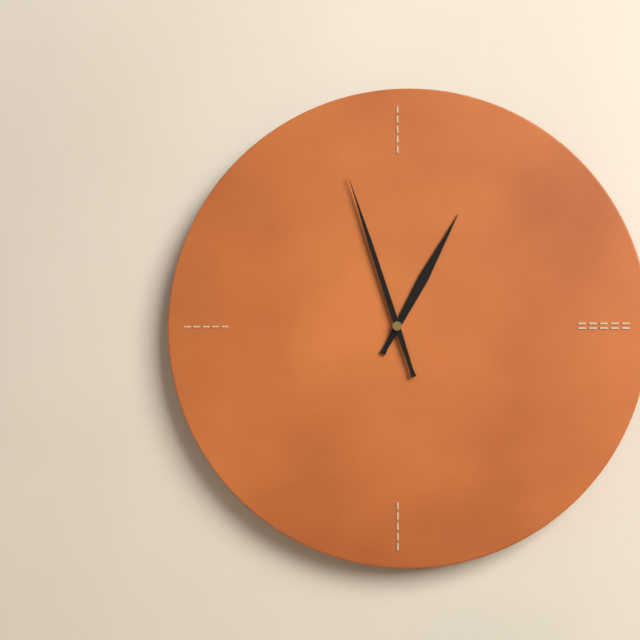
12:57
